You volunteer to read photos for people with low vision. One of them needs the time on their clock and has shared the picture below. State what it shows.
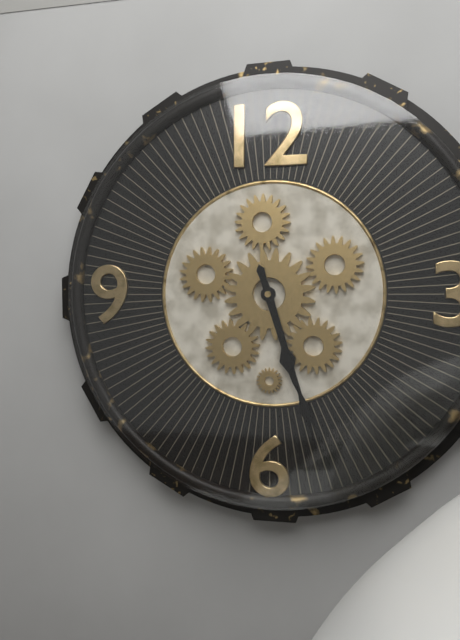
5:27
